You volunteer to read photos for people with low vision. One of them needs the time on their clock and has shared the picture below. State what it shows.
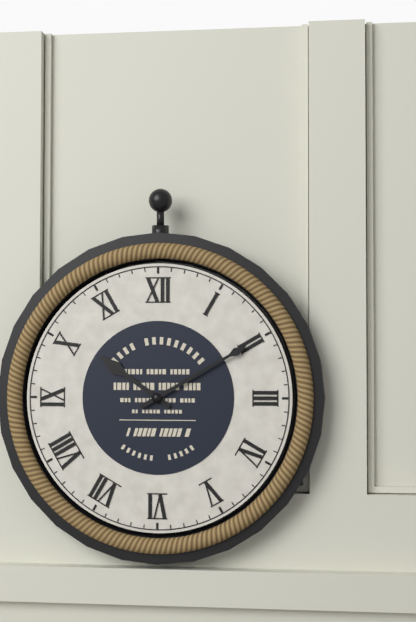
10:10
